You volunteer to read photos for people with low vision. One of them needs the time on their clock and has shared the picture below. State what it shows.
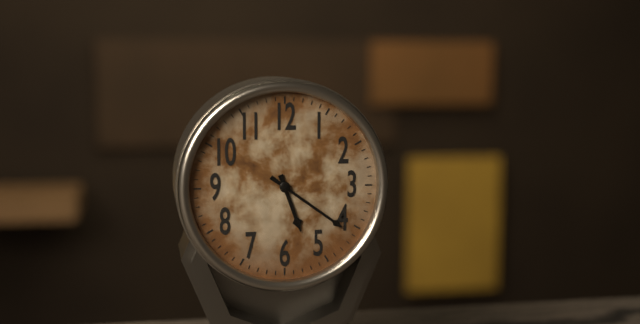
5:21
